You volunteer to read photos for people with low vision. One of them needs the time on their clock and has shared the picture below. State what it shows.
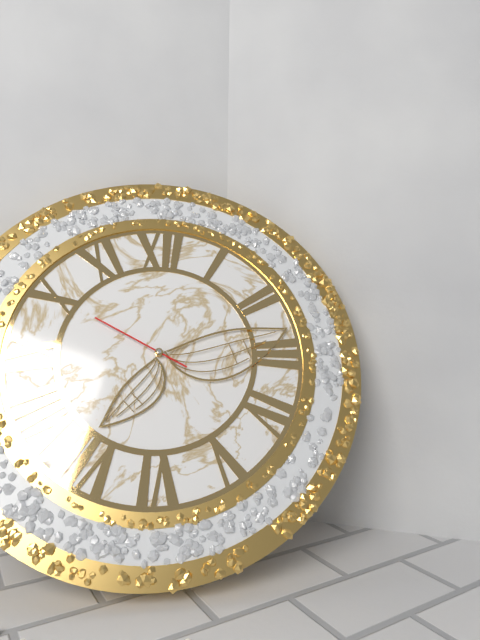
7:13:50
